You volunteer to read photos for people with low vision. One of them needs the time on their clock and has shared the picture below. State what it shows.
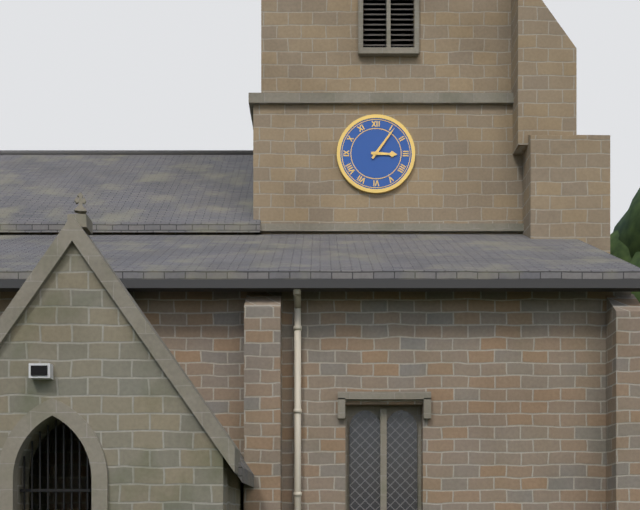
3:06
